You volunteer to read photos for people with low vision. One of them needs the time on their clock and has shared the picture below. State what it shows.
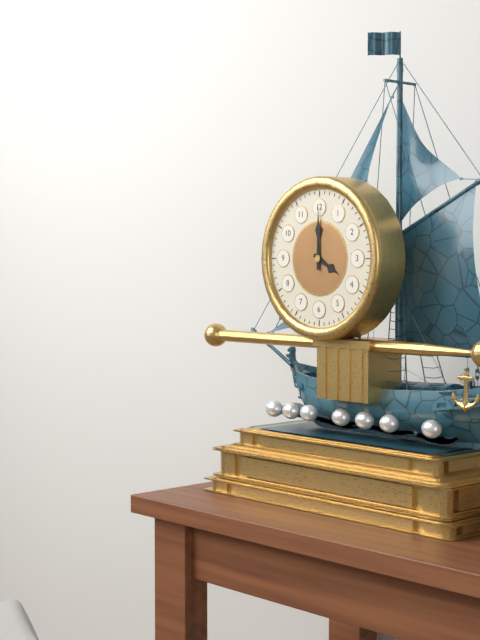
4:00
